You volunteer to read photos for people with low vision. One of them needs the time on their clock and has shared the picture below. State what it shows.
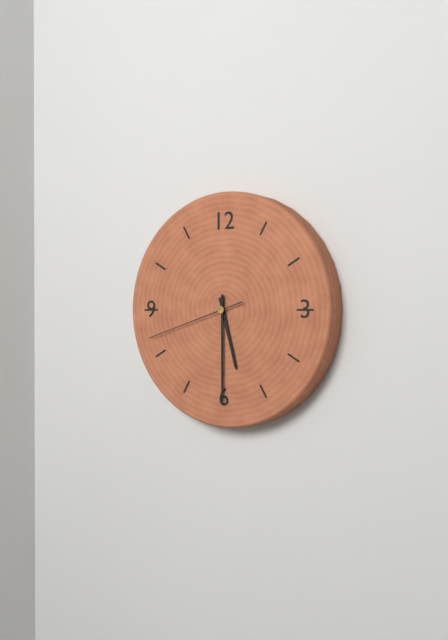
5:30:42
